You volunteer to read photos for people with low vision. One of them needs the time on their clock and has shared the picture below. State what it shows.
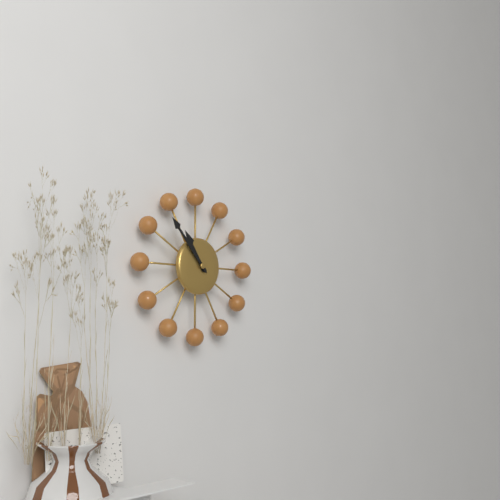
10:53
